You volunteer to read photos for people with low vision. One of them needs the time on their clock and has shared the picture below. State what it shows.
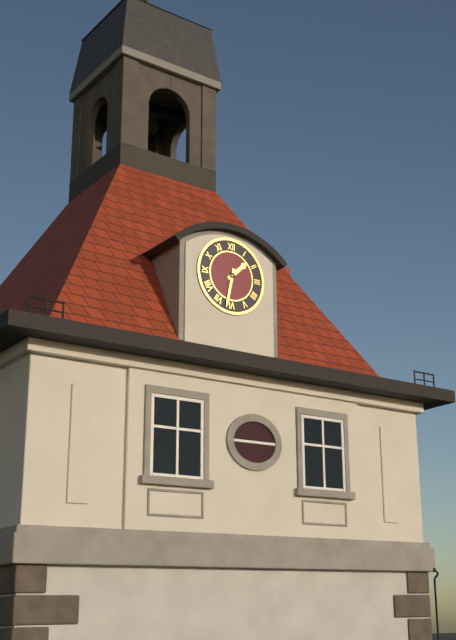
1:32
